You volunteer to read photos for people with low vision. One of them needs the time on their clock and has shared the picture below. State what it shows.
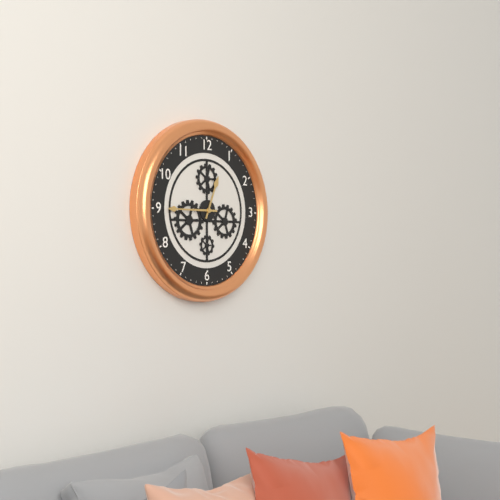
12:45
